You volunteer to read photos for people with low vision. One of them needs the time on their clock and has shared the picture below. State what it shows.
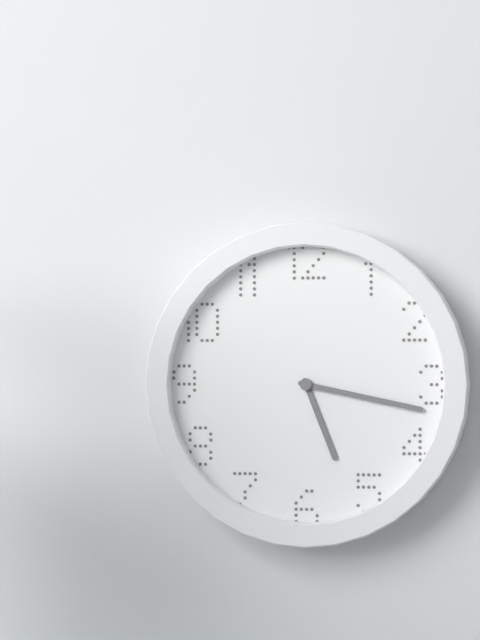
5:17
